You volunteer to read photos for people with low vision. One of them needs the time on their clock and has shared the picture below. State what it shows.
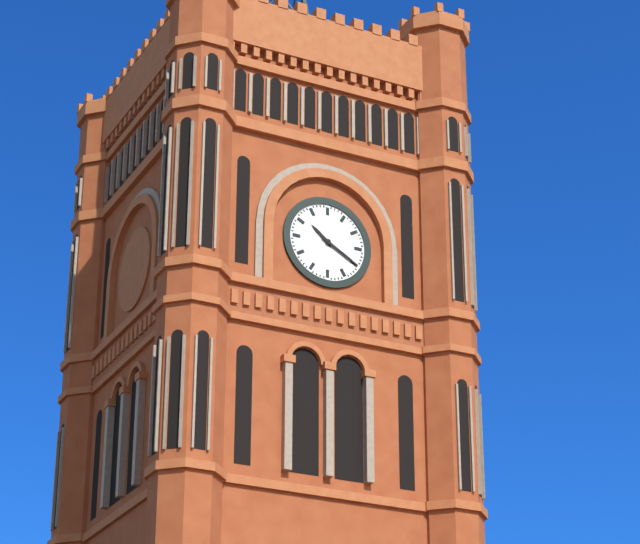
10:20
